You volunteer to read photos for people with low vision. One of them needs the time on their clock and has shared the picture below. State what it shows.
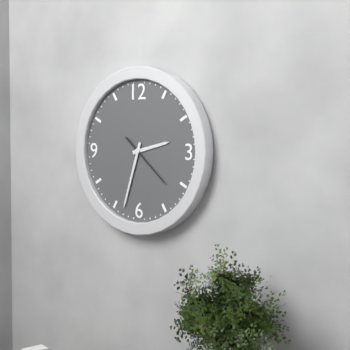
2:33:22
